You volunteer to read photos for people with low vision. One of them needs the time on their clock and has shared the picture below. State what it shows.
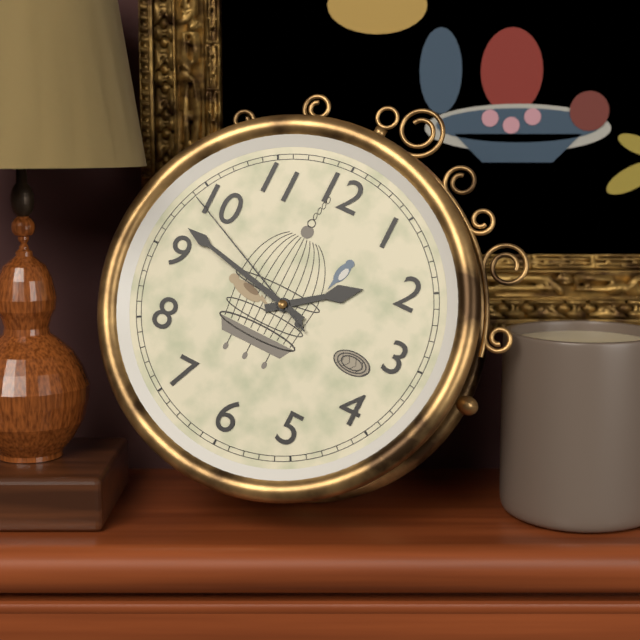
1:47:49
